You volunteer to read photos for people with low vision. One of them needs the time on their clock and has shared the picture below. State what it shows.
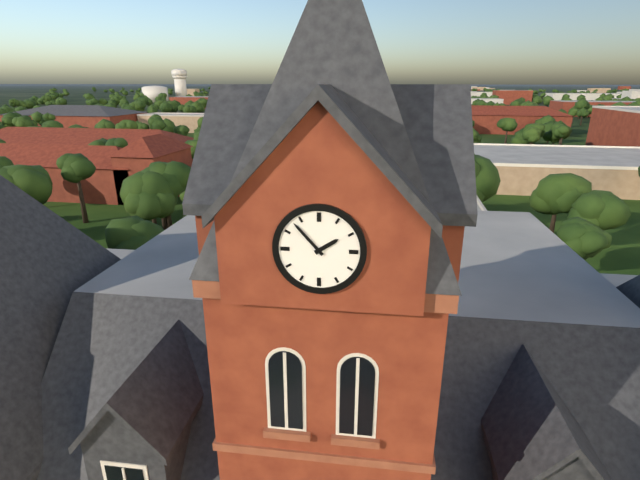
1:53
